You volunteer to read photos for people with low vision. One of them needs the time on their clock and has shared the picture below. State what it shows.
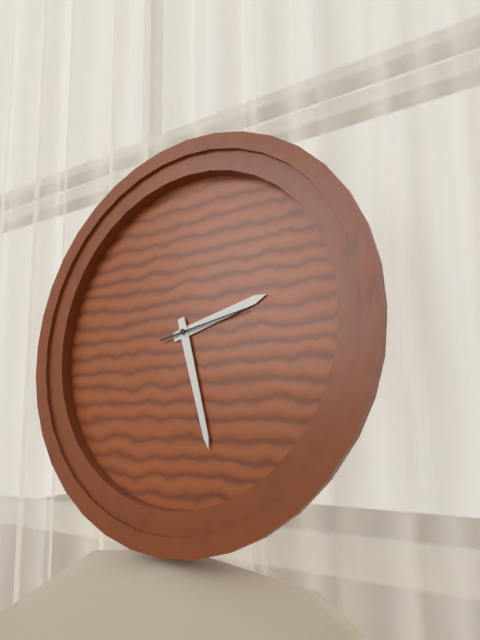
2:27:13
